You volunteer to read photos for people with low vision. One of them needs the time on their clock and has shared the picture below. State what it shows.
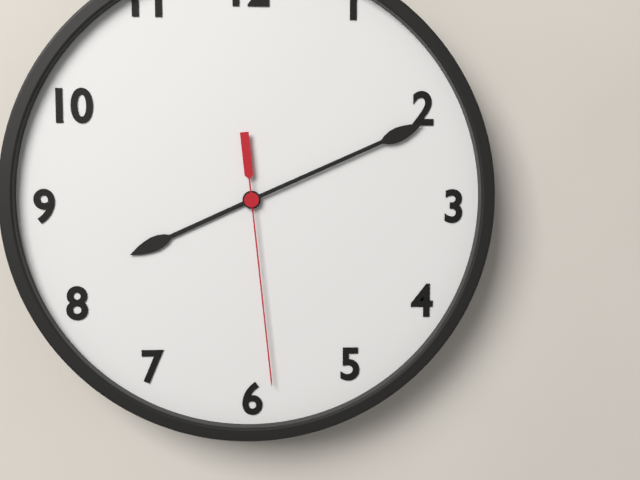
8:11:29
